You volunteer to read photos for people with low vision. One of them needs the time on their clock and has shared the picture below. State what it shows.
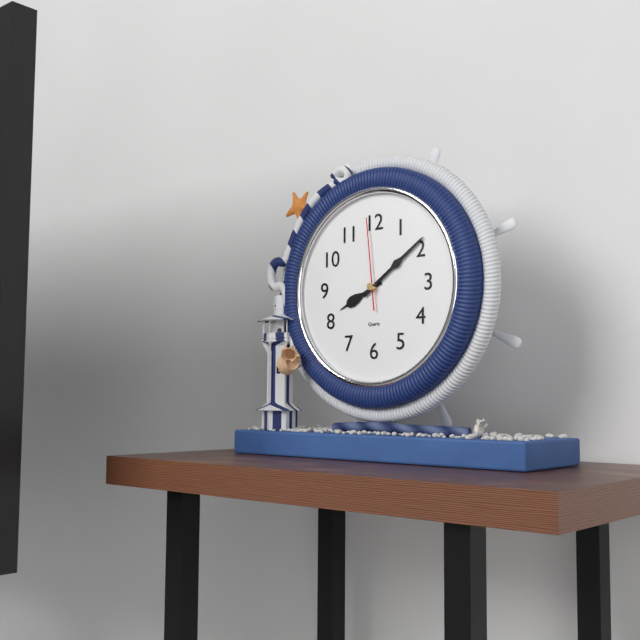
8:09:59
